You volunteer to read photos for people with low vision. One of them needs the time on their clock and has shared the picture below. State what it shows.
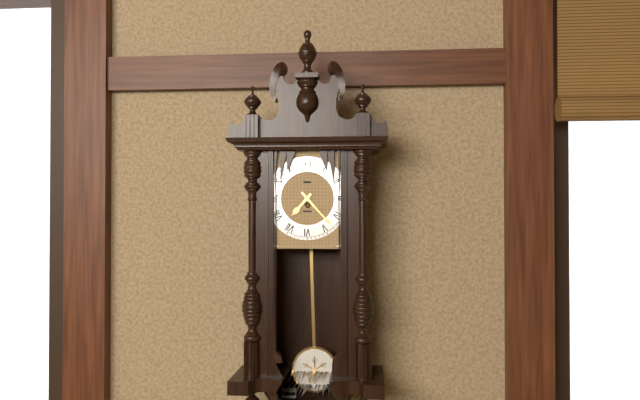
7:23
